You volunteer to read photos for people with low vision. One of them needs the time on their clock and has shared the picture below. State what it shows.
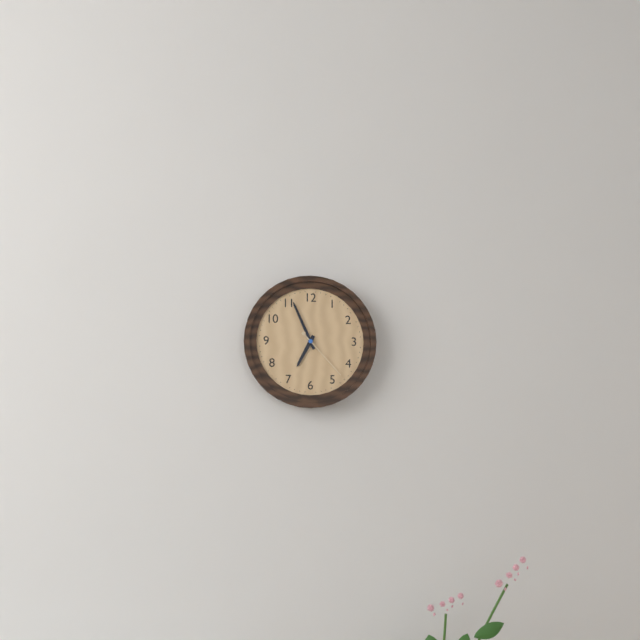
6:56:23
